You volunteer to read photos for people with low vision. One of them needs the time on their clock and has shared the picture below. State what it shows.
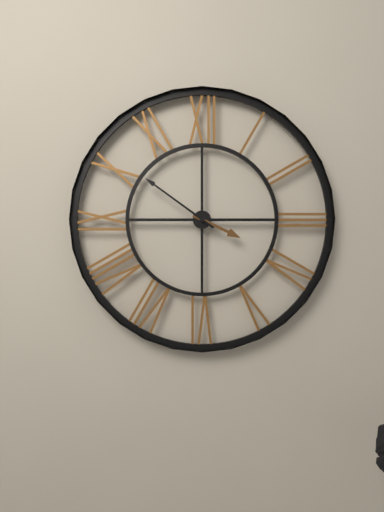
3:51
